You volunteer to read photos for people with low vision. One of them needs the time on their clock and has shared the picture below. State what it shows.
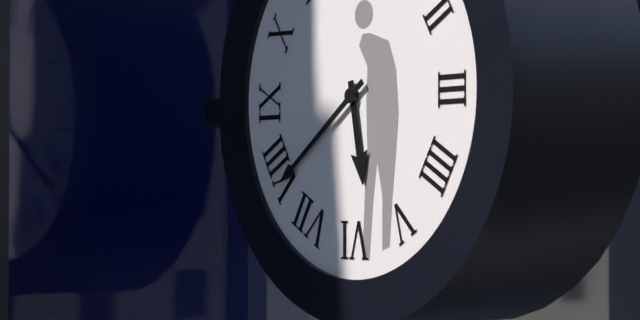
5:39
